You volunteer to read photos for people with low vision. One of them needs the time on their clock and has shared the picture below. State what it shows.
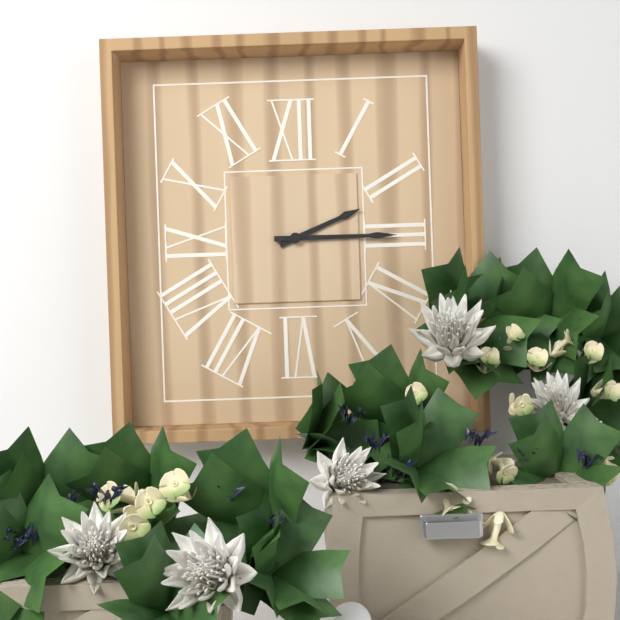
2:15
